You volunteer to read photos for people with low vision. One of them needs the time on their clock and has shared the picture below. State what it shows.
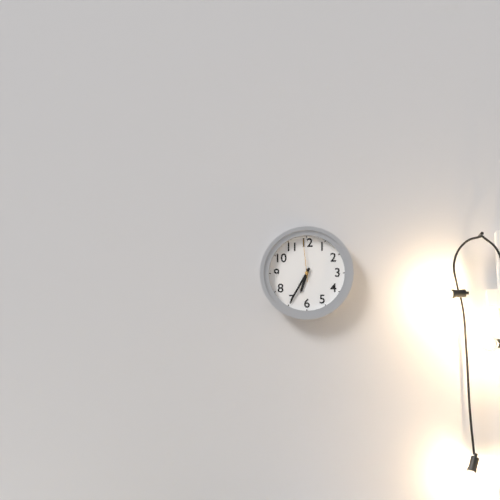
6:35
